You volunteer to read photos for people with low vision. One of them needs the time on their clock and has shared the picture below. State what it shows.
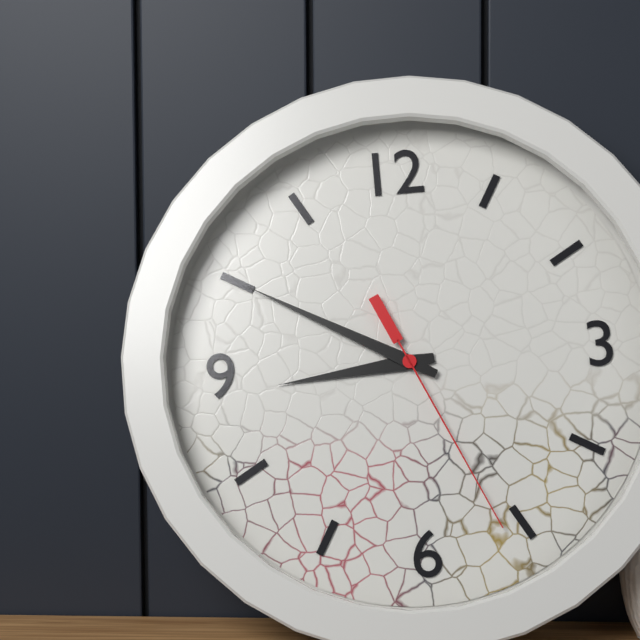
8:50:26
